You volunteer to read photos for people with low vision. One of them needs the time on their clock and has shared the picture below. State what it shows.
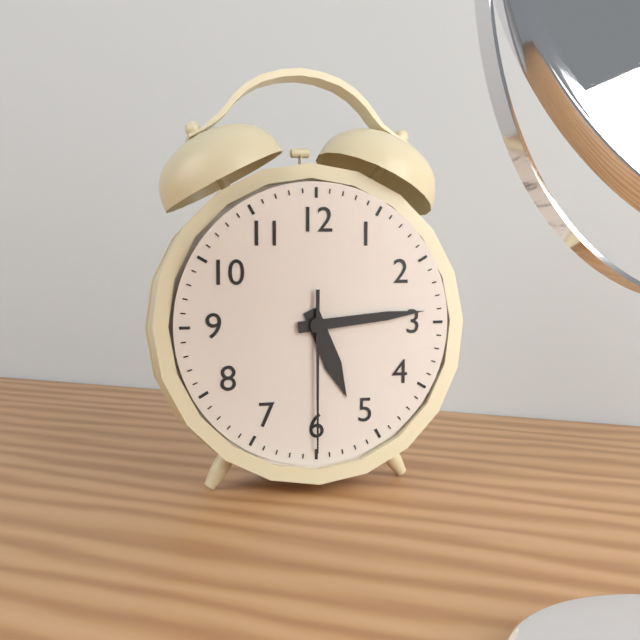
5:14:30
